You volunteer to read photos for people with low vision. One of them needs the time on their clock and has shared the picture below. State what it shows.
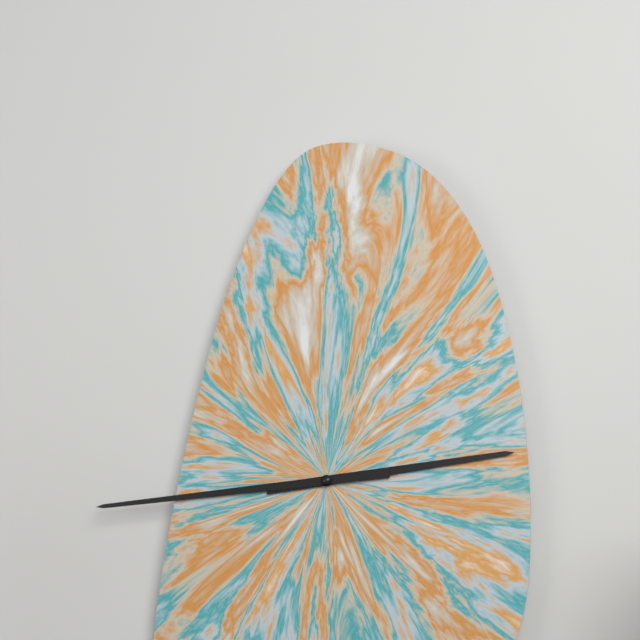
2:44
